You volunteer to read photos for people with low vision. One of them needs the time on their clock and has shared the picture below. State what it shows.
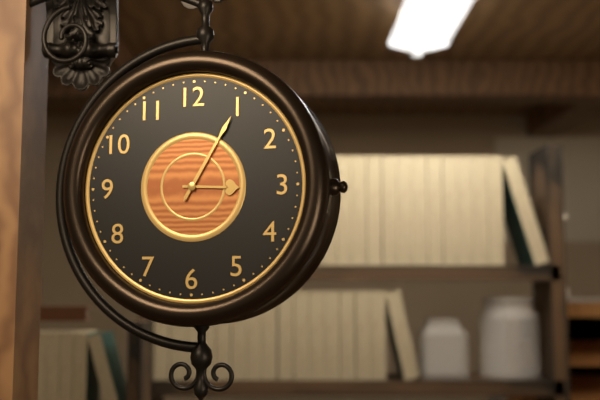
3:05
